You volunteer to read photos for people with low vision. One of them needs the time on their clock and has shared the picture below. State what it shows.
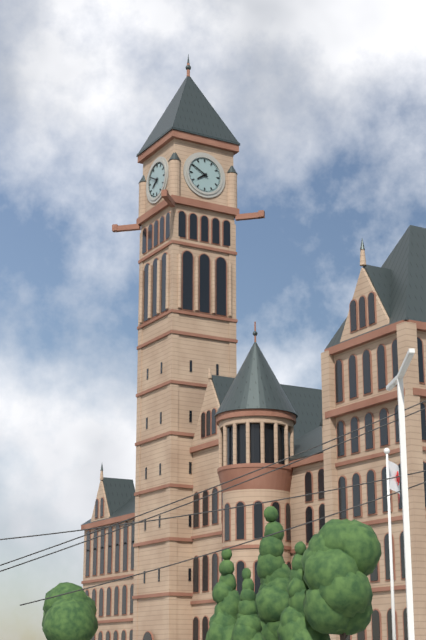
7:50
